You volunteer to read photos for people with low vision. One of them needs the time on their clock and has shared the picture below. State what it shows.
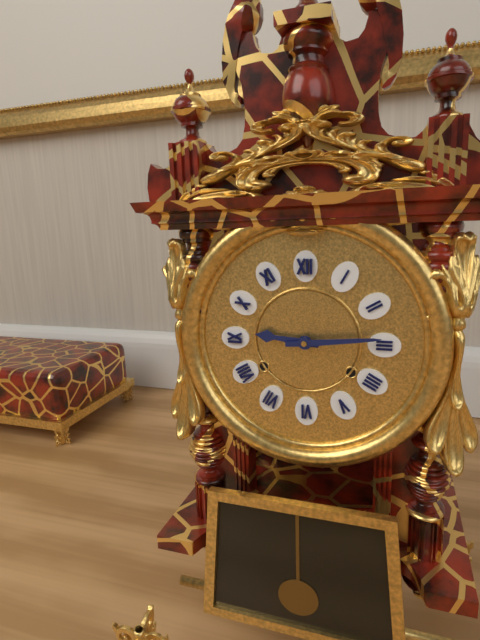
9:14
